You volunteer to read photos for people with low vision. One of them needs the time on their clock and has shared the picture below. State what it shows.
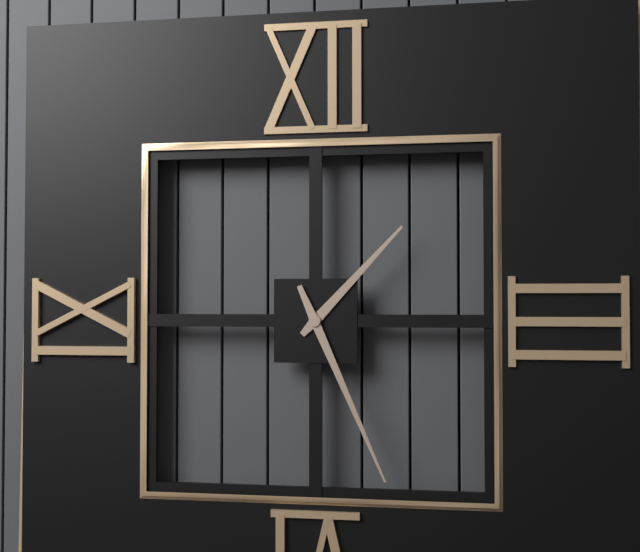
1:26
